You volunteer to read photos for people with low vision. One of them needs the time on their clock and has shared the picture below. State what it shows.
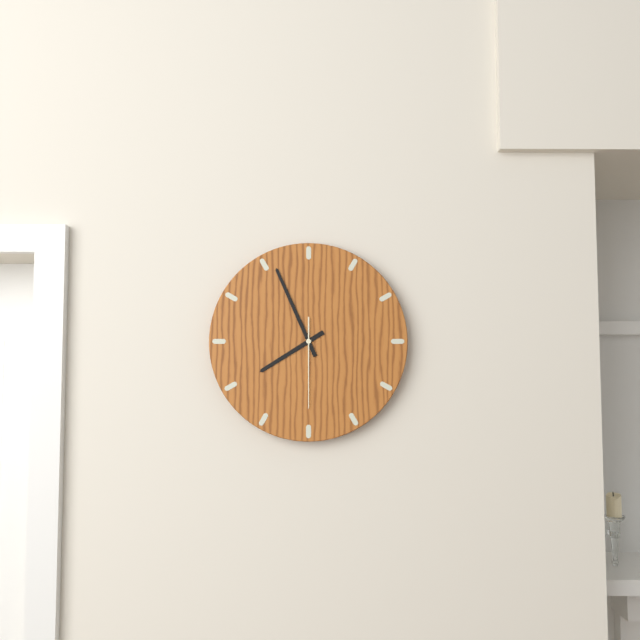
7:56:30
